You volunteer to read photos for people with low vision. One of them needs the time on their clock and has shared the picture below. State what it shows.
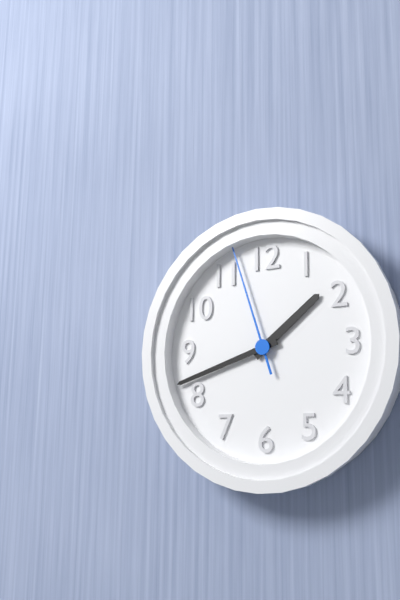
1:42:57
